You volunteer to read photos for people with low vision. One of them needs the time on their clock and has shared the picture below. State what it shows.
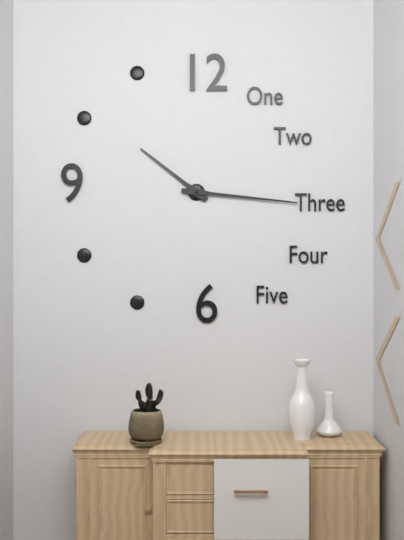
10:16
